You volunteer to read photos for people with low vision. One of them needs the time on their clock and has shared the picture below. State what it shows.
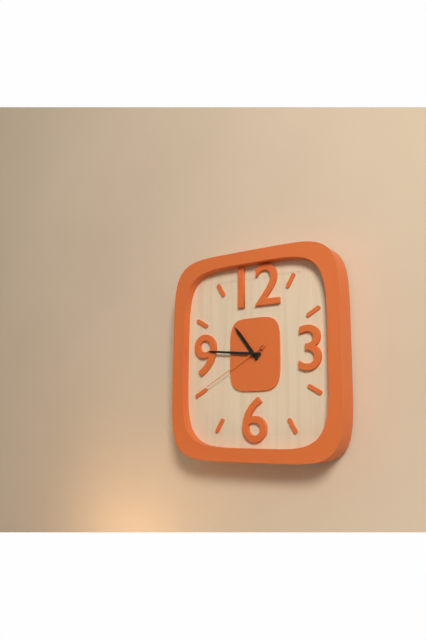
10:46:40
